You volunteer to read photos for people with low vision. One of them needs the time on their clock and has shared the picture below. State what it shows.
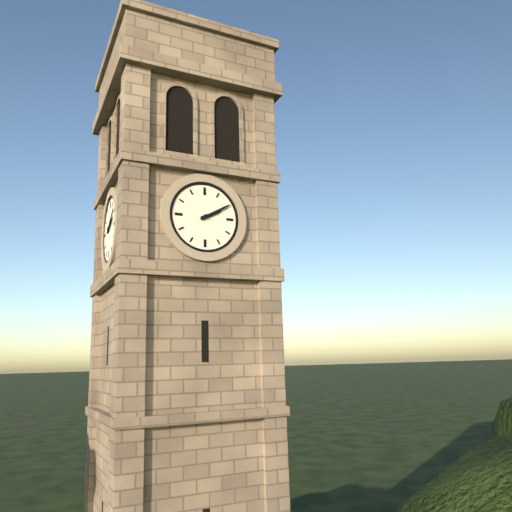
2:10
